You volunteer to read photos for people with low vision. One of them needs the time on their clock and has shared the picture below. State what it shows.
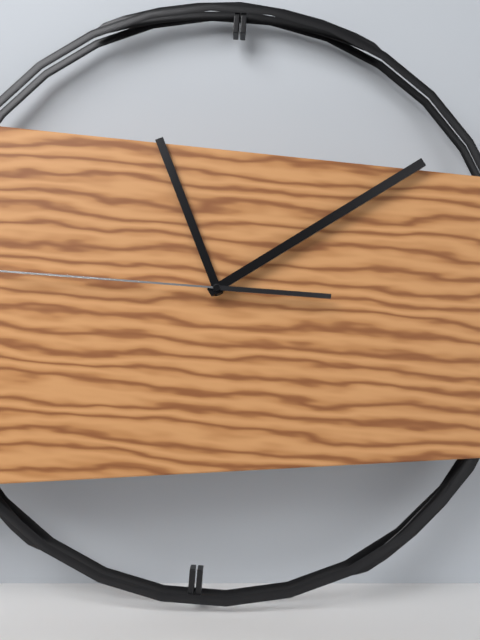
11:09
